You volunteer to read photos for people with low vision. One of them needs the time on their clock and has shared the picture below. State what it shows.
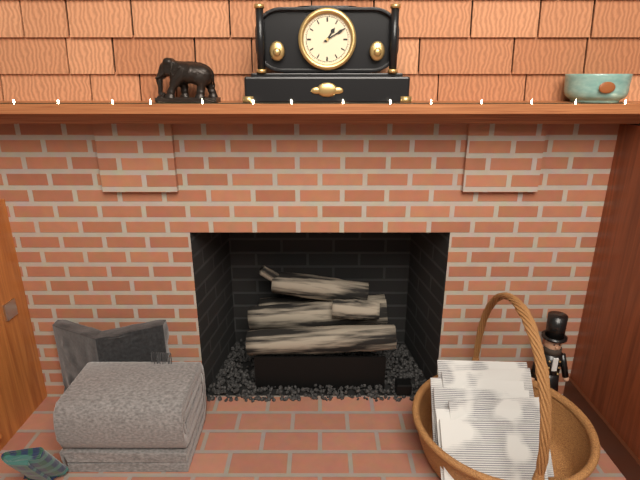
1:10
